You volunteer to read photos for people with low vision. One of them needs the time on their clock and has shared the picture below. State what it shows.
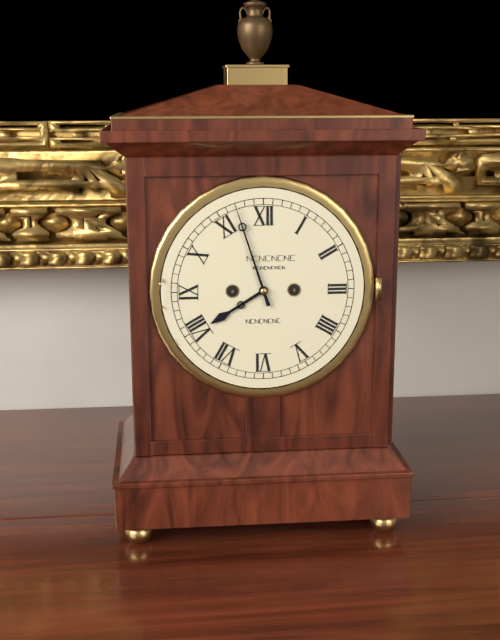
7:57
